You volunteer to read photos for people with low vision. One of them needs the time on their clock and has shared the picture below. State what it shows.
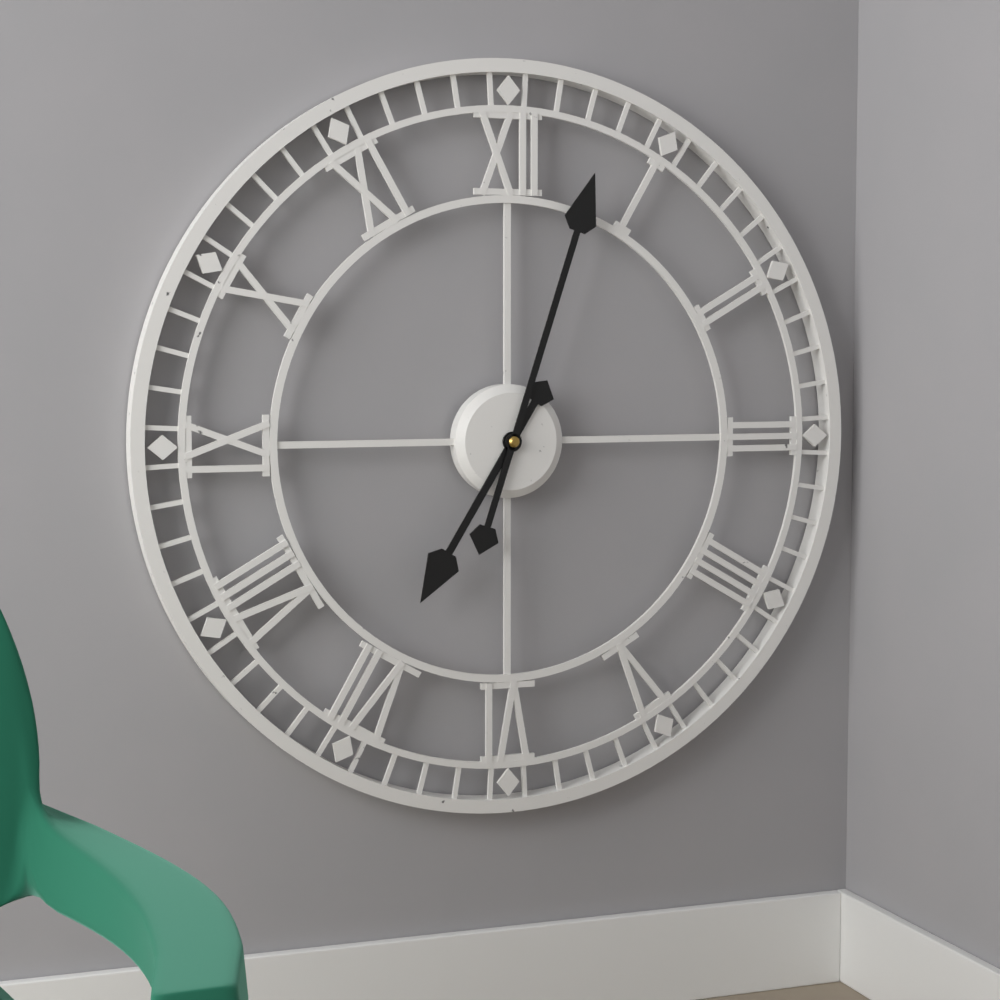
7:03
